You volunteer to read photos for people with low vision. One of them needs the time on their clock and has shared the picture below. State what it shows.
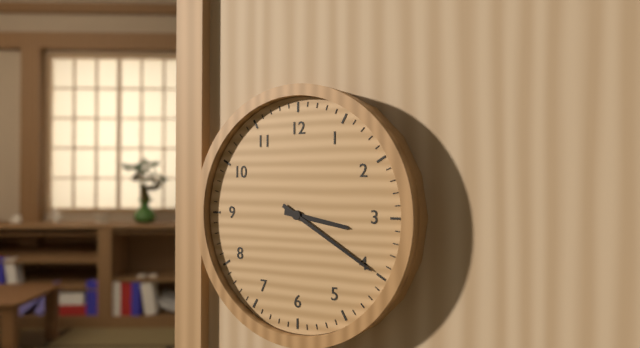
3:20
